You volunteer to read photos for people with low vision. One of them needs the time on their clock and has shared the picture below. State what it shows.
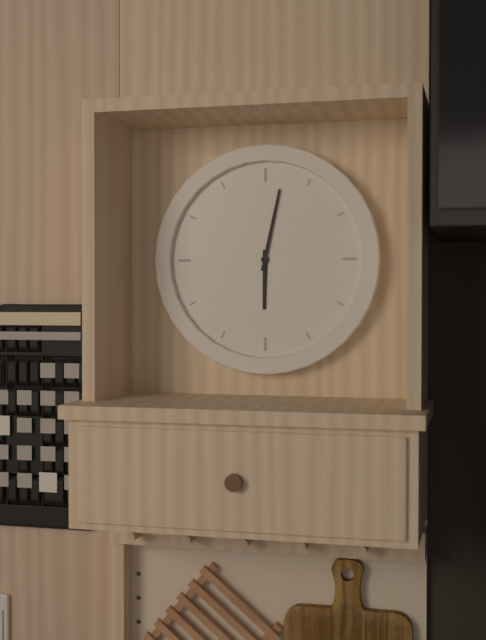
6:02
